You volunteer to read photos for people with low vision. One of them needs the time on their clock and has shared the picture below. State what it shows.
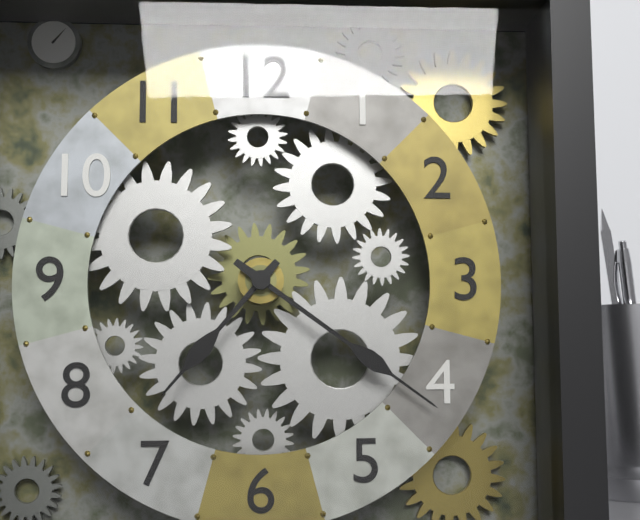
7:21
